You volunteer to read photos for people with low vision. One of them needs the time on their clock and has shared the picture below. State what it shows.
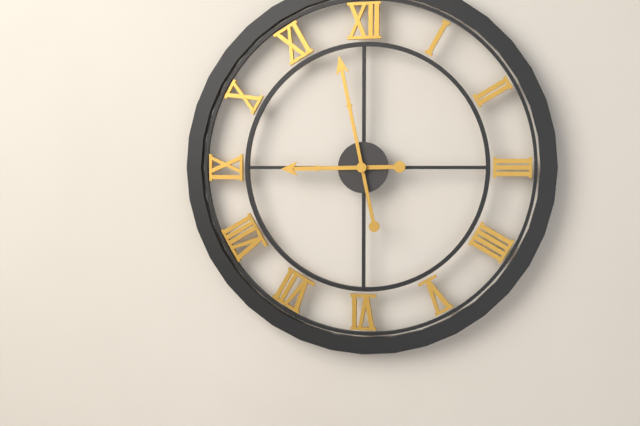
8:58
